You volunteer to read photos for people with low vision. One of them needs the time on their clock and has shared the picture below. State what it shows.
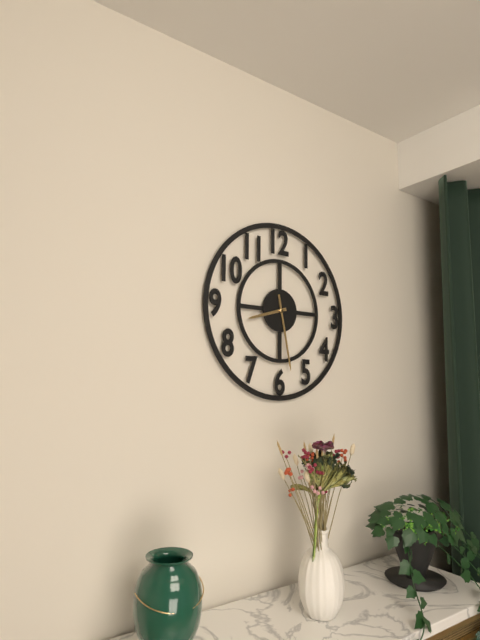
8:28
